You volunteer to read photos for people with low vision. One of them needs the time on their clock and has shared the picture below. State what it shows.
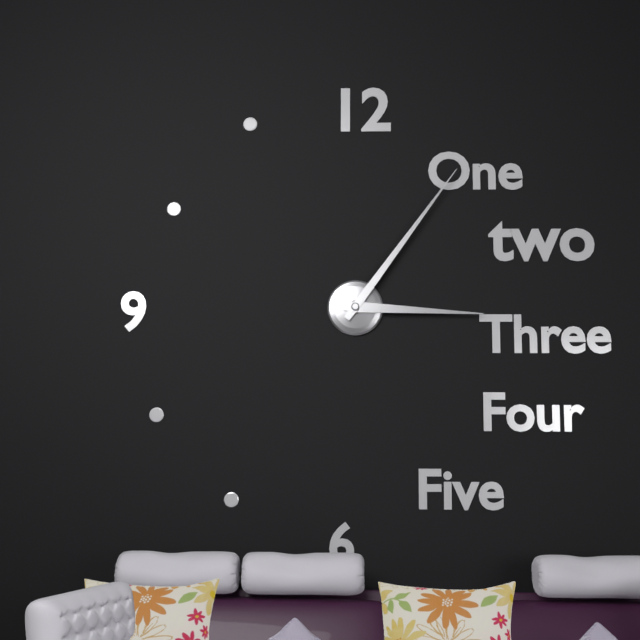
3:06
